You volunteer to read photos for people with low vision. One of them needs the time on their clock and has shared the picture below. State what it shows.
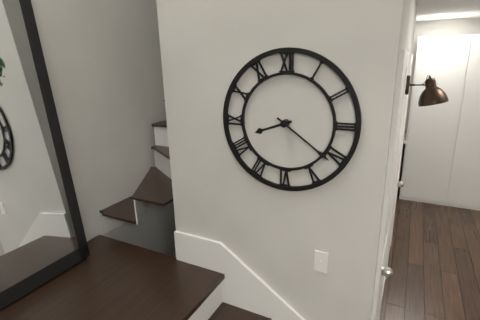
8:21
